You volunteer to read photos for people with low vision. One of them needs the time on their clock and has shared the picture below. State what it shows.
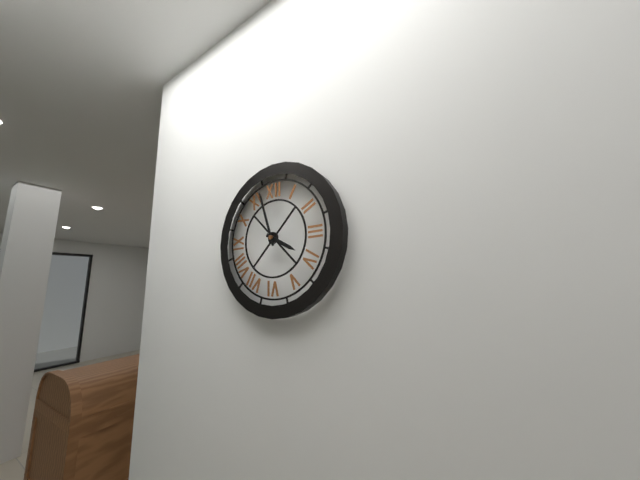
3:57
